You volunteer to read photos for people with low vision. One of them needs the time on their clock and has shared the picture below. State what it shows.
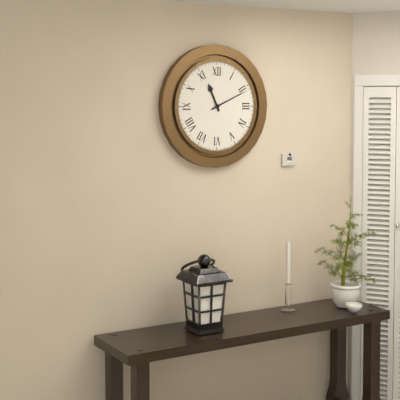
11:11
